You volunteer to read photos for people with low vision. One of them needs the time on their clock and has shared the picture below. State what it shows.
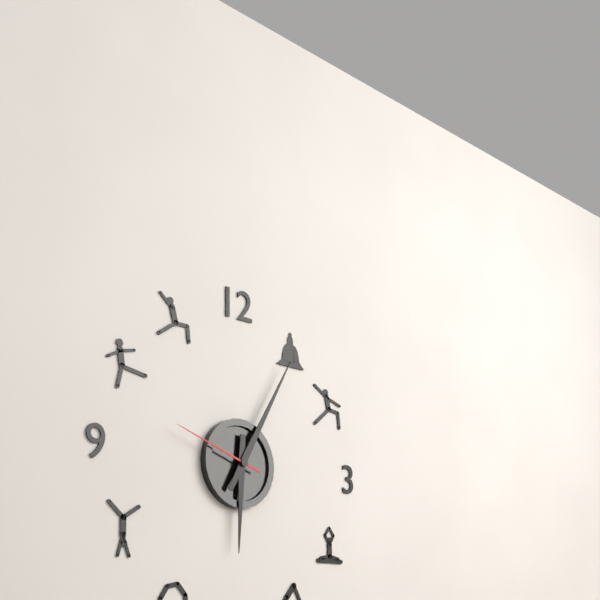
6:05:48
